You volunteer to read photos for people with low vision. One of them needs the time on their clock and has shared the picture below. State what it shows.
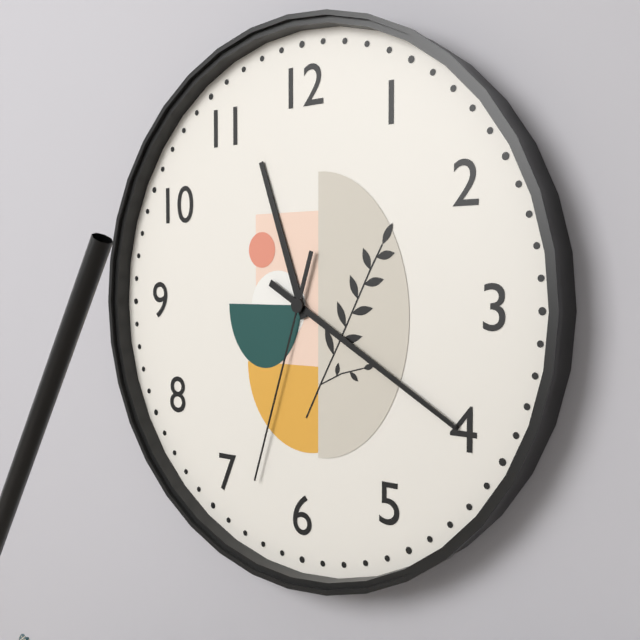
11:20:33
